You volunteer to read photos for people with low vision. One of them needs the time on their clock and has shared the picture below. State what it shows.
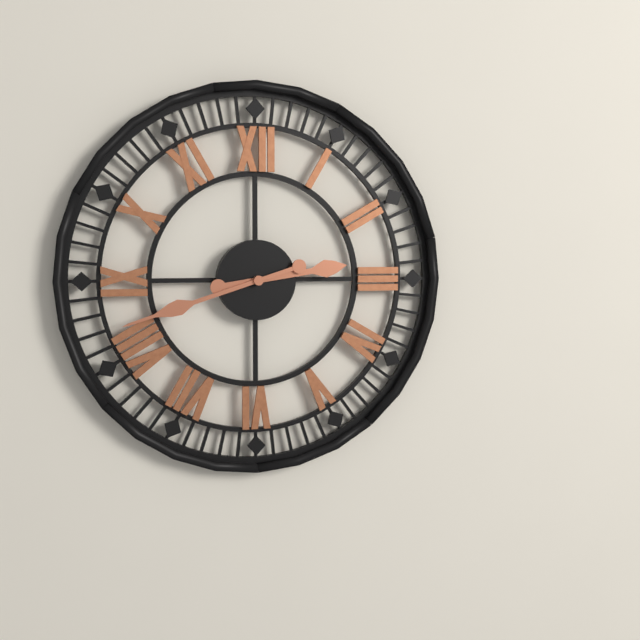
2:42
